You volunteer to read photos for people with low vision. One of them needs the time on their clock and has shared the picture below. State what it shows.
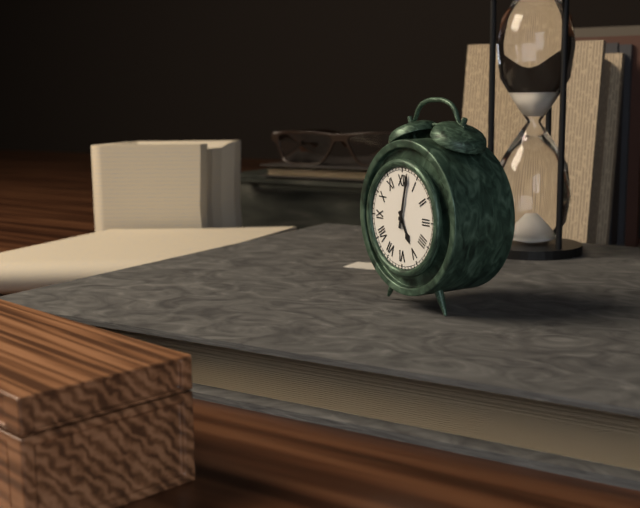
5:02
